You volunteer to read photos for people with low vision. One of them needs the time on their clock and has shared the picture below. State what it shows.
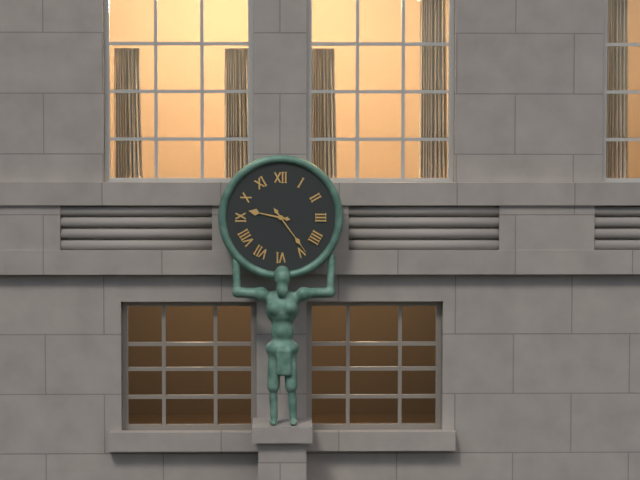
9:24
